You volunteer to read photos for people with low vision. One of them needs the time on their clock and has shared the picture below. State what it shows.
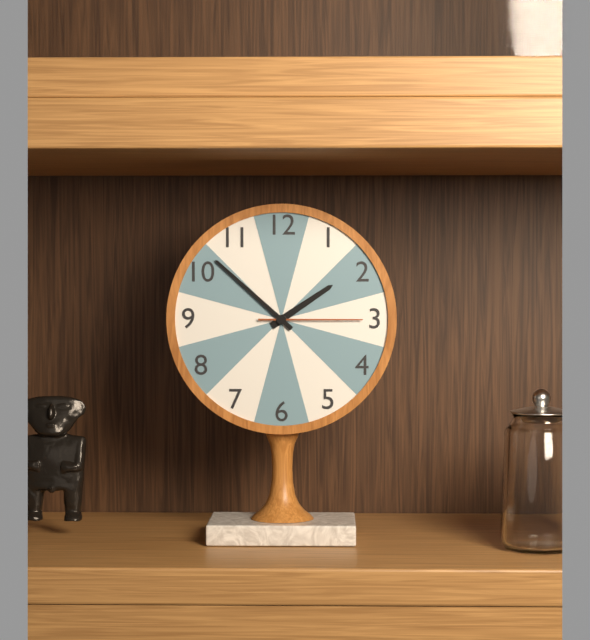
1:52:15
